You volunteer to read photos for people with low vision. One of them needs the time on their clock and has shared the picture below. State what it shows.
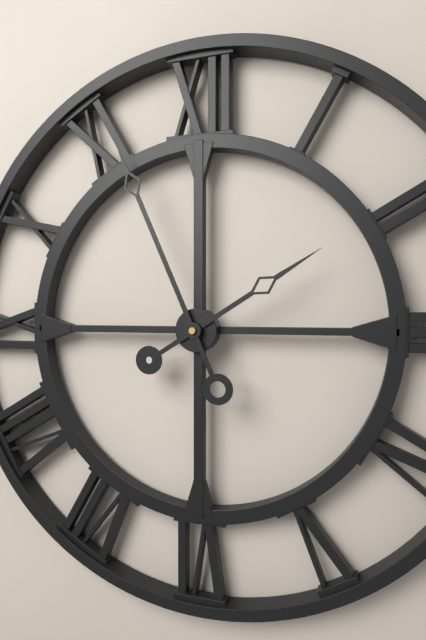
1:56
